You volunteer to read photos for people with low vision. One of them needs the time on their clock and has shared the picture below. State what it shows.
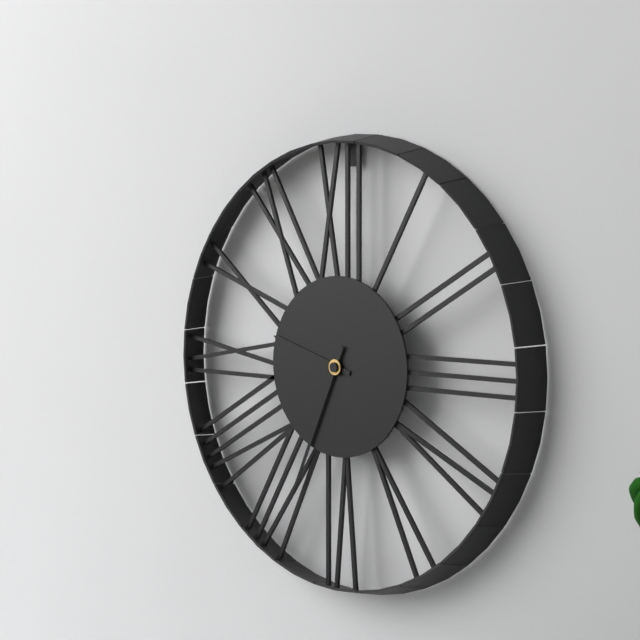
9:34
